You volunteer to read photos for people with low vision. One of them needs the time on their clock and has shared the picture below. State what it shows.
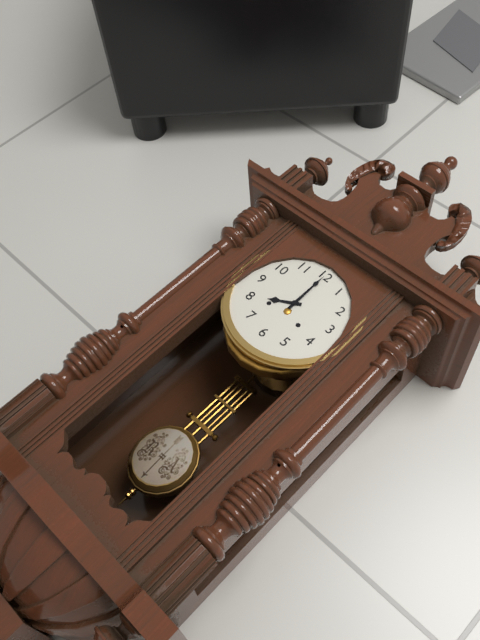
8:00
